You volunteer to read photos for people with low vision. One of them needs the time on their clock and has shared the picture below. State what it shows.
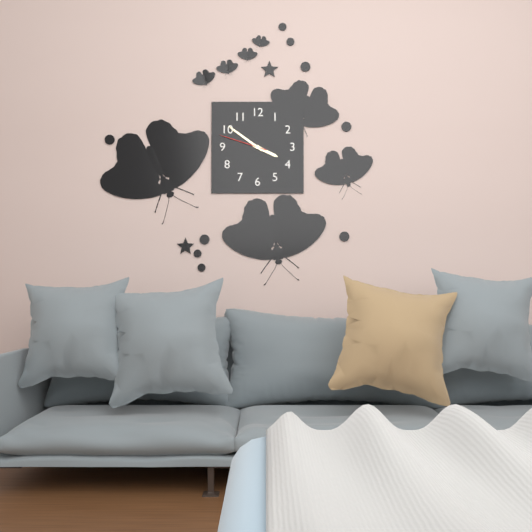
3:51:48
